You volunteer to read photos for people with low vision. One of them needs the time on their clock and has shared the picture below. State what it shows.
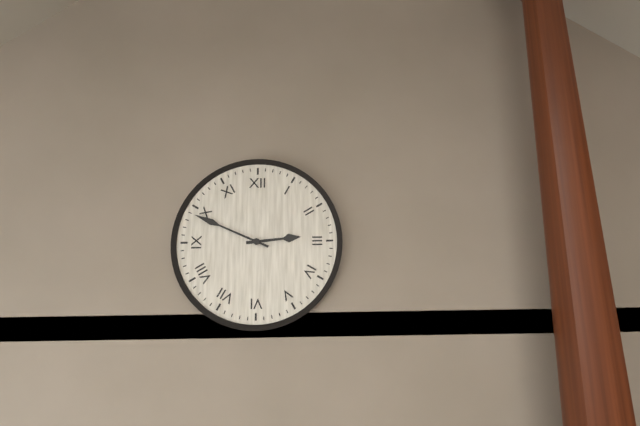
2:49
